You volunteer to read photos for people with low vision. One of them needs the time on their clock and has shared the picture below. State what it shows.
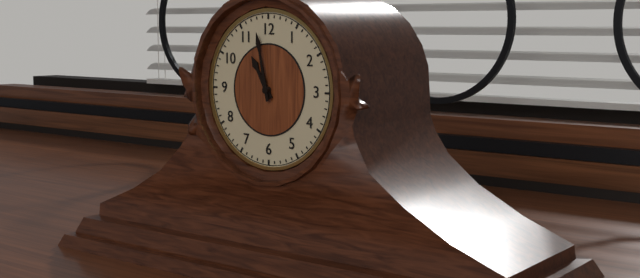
10:58
